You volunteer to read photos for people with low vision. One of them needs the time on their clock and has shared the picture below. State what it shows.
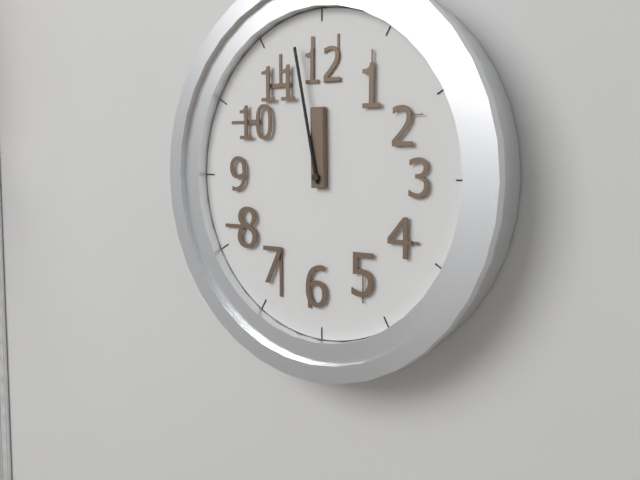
11:58
